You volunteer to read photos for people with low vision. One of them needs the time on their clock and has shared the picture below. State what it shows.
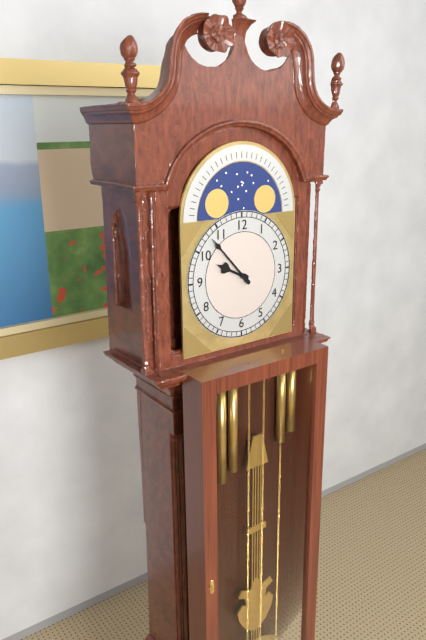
9:53
